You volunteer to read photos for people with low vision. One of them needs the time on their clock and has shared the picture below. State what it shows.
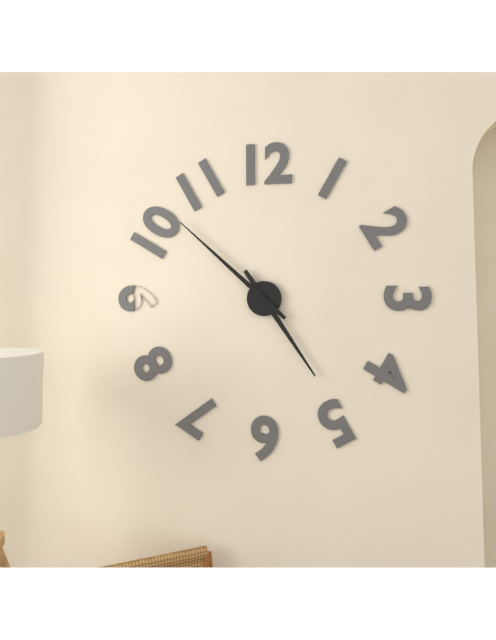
4:52
